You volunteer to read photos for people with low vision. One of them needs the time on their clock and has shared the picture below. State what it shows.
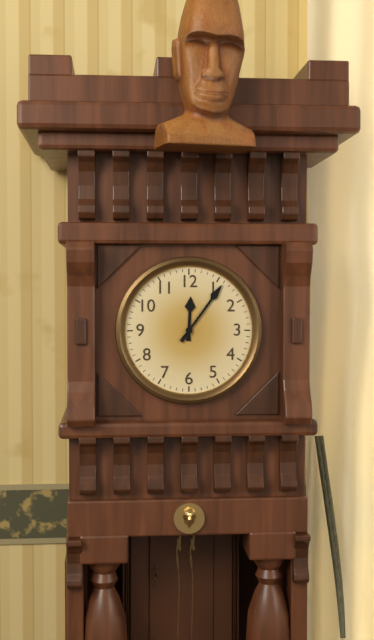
12:06
